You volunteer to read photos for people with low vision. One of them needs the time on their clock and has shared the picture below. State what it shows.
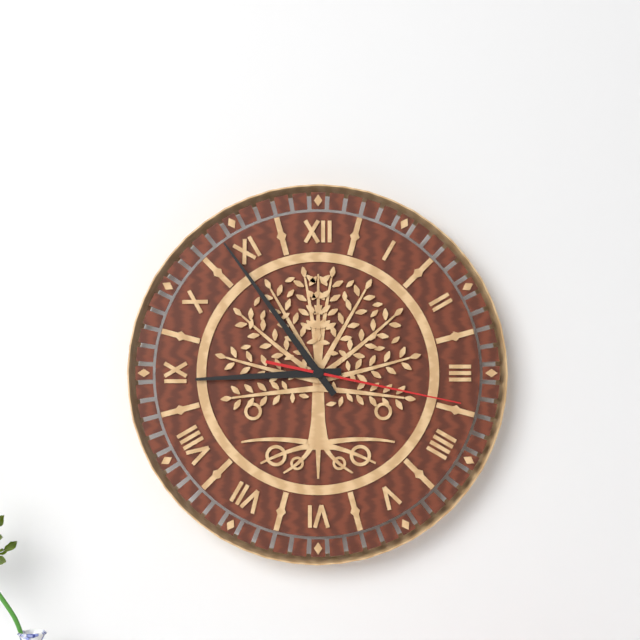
8:54:17
